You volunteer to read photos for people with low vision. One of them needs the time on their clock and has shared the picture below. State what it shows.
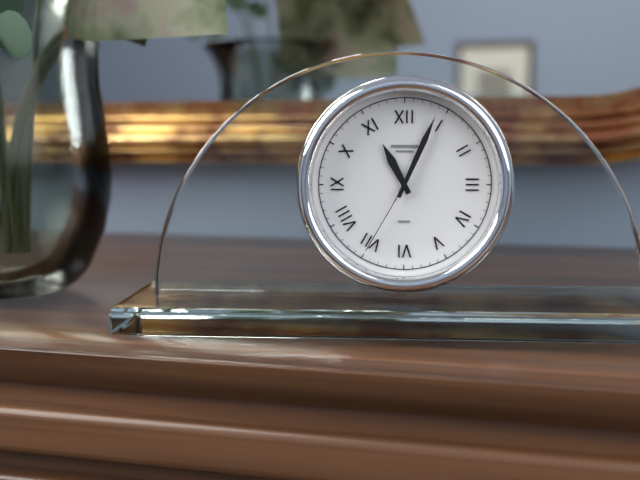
11:04:35
